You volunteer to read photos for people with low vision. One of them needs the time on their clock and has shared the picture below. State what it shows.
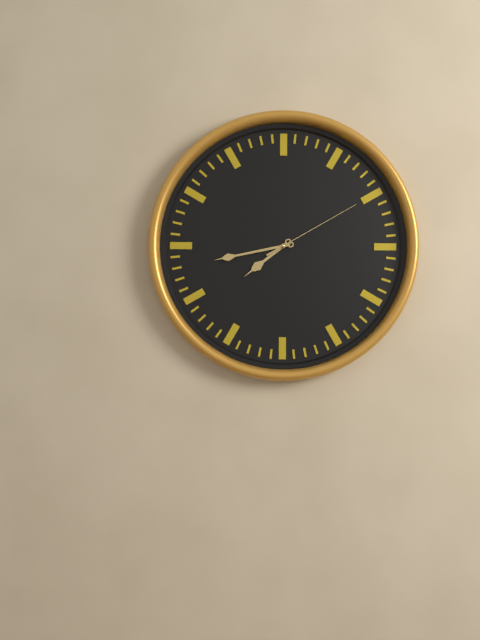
7:43:10
